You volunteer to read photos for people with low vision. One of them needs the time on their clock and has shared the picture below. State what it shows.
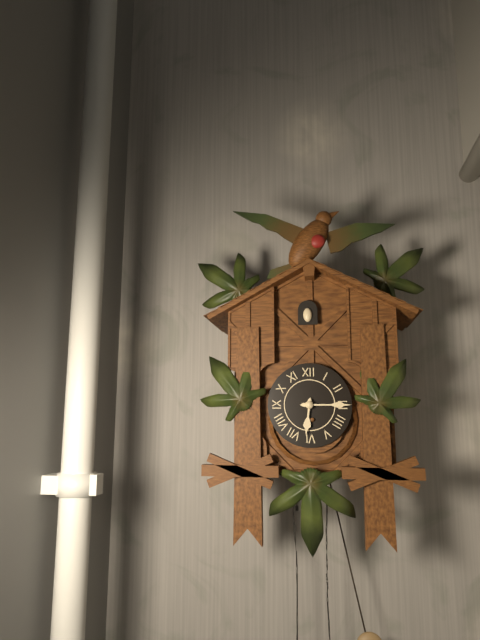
6:15
